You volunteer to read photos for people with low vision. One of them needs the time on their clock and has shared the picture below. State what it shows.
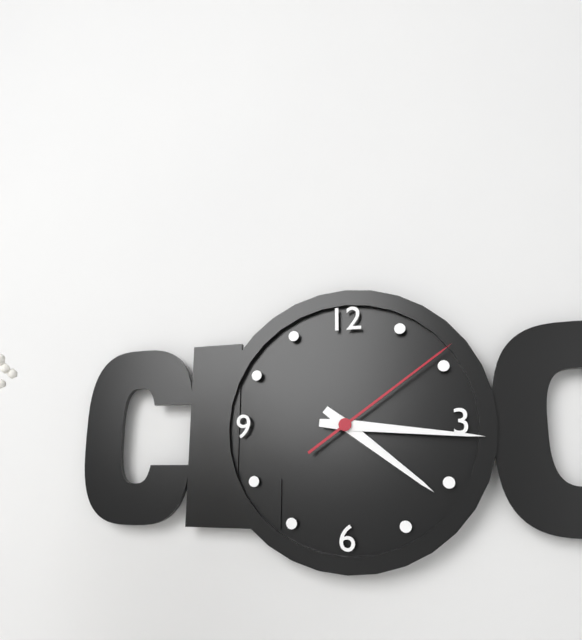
4:16:09
